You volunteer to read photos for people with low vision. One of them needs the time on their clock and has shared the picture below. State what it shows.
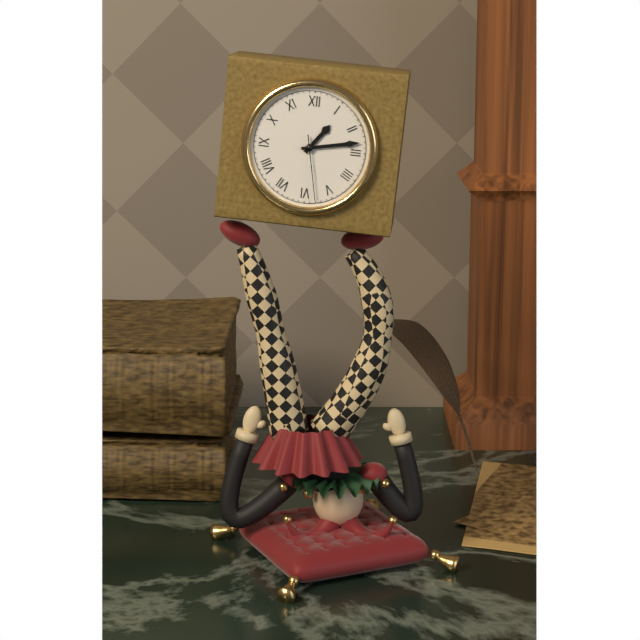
1:13:28
